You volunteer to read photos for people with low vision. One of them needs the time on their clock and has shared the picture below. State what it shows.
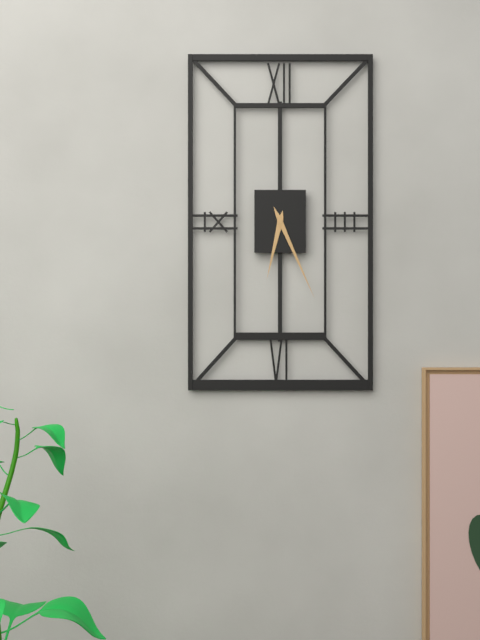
6:26
